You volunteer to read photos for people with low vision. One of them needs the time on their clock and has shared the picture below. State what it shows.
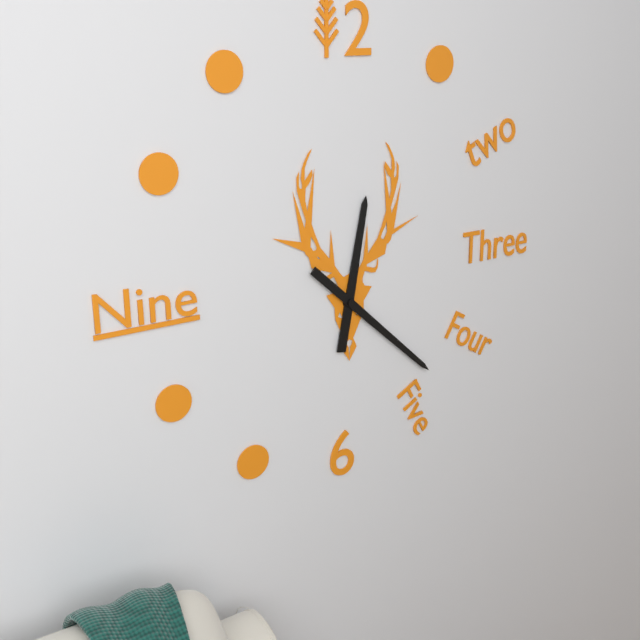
12:22
